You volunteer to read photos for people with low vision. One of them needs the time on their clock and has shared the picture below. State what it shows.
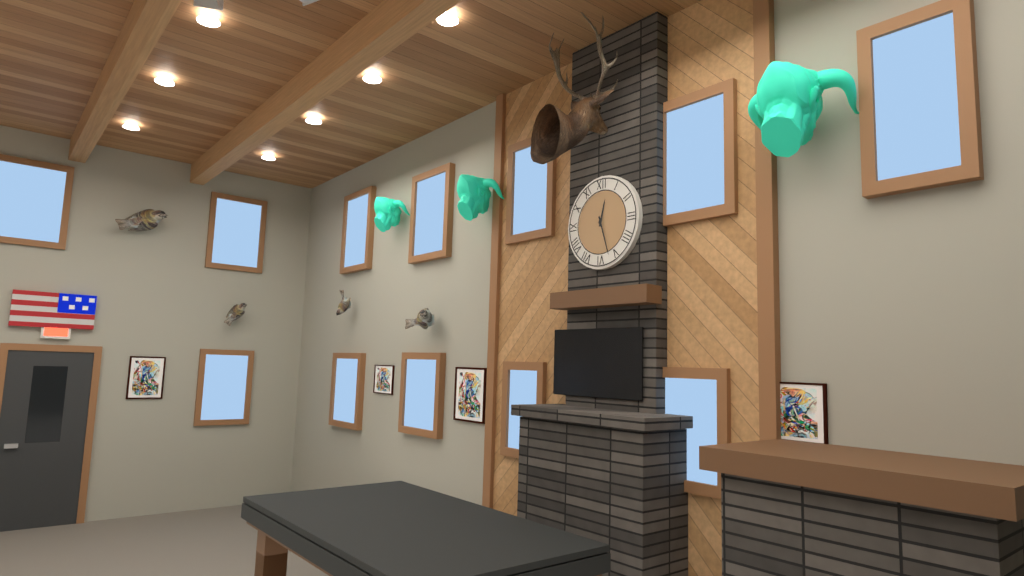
12:27
